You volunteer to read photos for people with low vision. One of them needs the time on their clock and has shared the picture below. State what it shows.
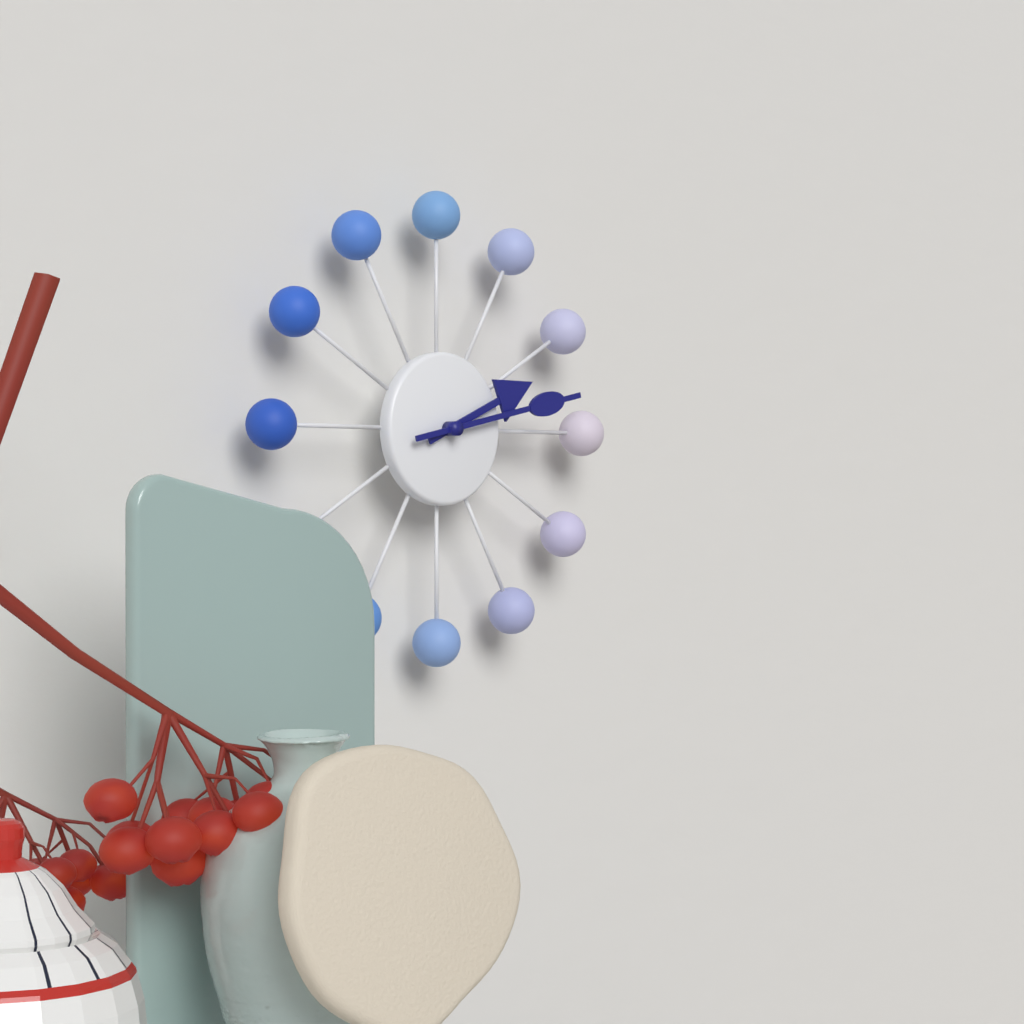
2:13
